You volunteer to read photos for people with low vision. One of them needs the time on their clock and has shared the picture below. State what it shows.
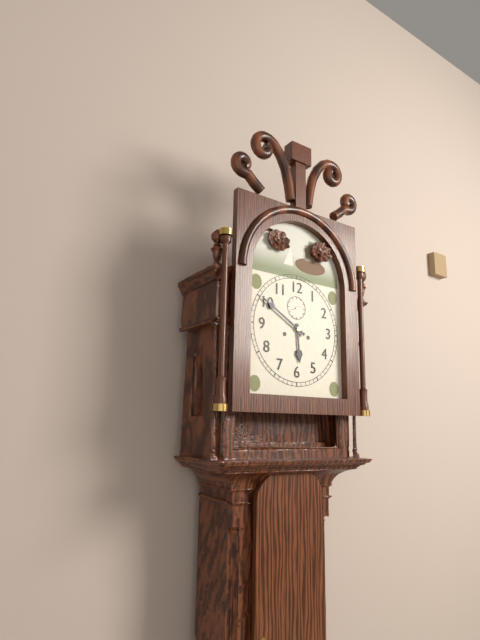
5:50
